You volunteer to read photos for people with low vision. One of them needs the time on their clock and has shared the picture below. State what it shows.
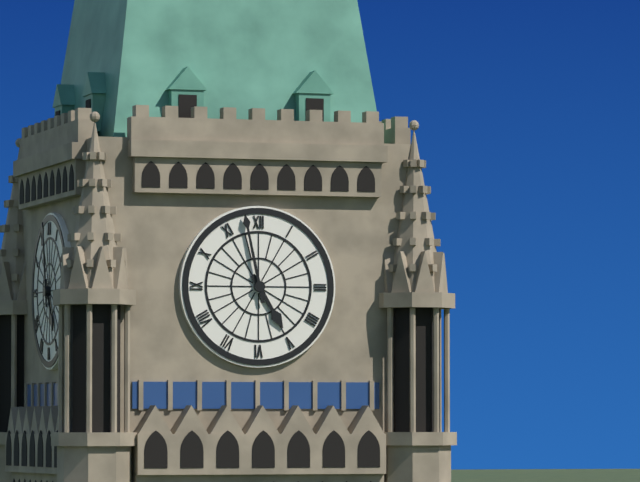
4:58
